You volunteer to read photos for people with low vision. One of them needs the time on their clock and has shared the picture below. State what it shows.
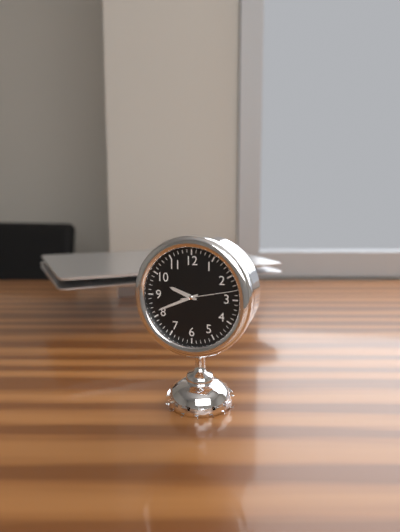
9:41:13
